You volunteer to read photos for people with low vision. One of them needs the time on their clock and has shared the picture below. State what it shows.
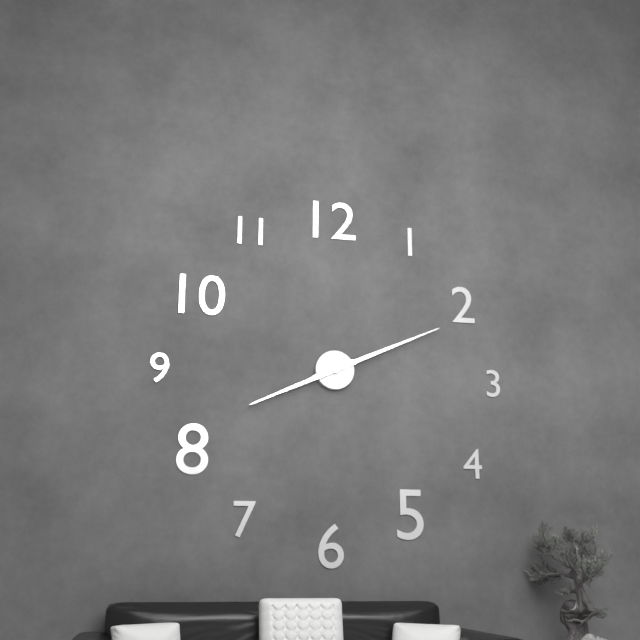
8:11
